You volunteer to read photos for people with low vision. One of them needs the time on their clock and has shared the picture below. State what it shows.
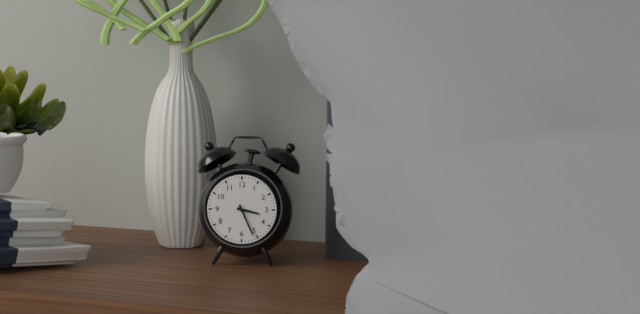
3:26
